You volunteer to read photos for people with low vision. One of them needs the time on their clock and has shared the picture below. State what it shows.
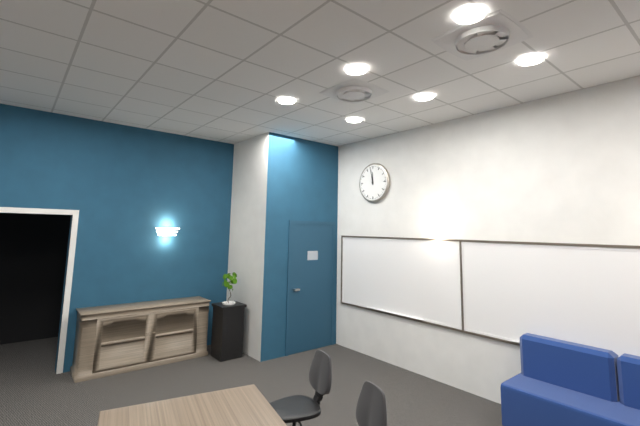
11:58
